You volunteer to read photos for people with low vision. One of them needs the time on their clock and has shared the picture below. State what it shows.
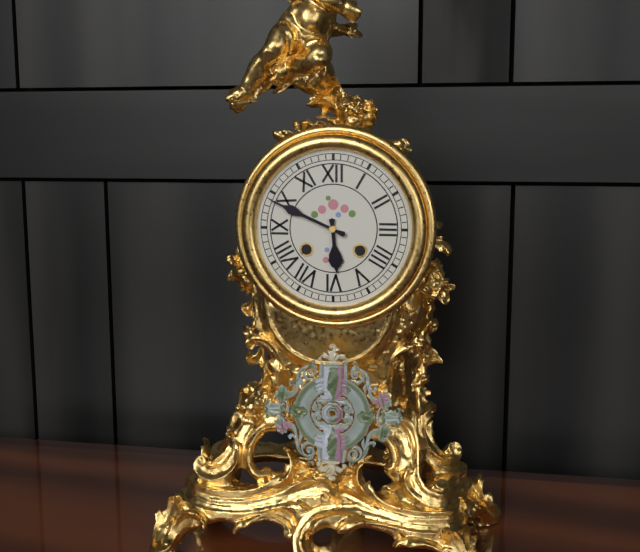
5:49
